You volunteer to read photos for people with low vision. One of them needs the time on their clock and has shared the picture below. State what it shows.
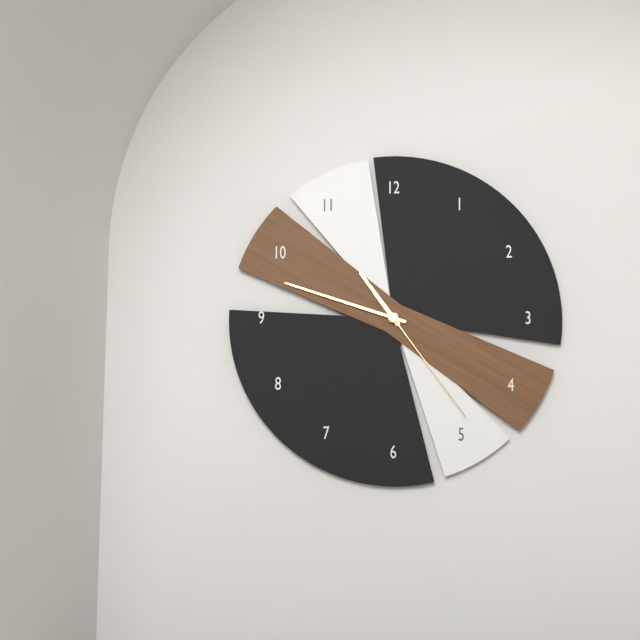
10:48:24
